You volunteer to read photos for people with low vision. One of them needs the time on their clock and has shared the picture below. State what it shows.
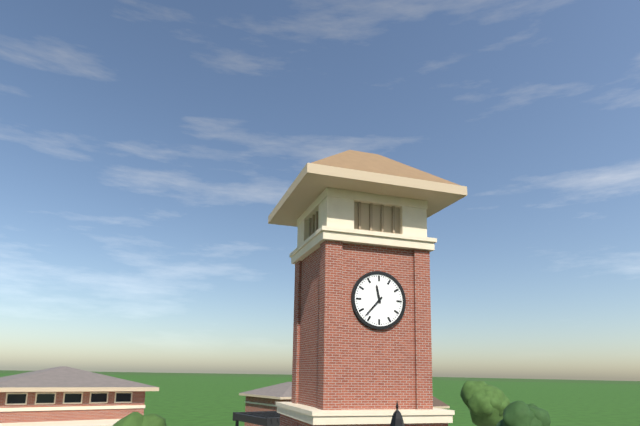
11:37
